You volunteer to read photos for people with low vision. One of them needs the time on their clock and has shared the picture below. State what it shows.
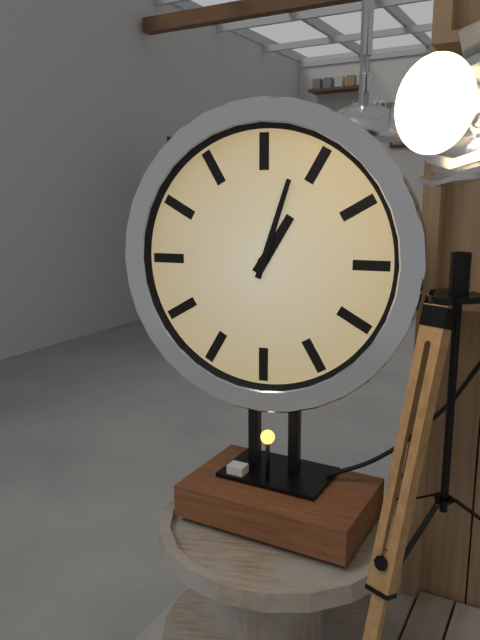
1:03
